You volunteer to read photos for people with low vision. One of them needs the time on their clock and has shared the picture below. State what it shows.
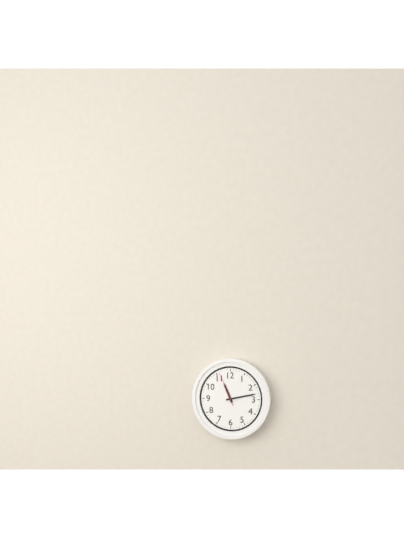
11:13
